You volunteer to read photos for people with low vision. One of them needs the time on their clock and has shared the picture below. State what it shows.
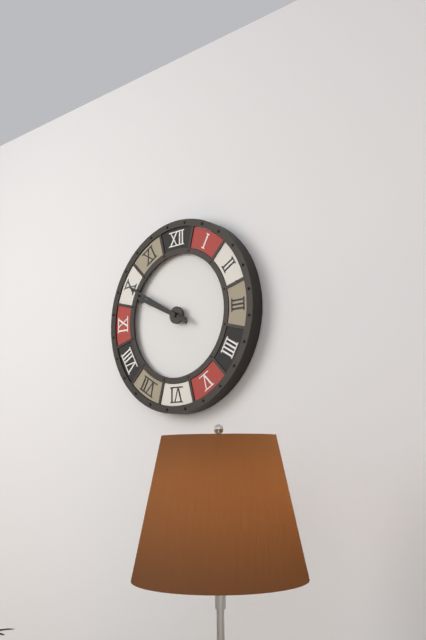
9:50
